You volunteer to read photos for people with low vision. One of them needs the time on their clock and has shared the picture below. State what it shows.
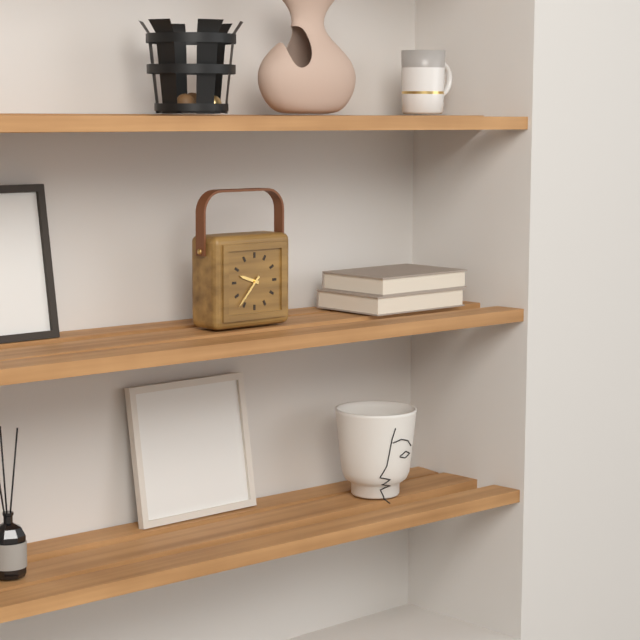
9:37
